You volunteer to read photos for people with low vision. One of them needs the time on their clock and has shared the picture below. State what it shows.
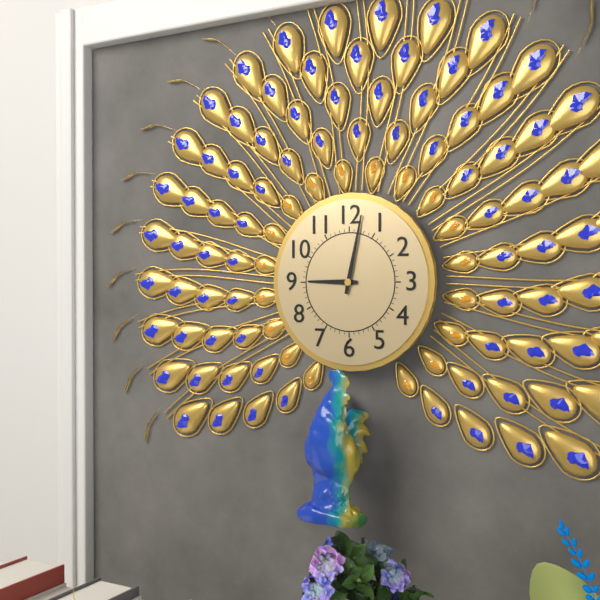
9:02
